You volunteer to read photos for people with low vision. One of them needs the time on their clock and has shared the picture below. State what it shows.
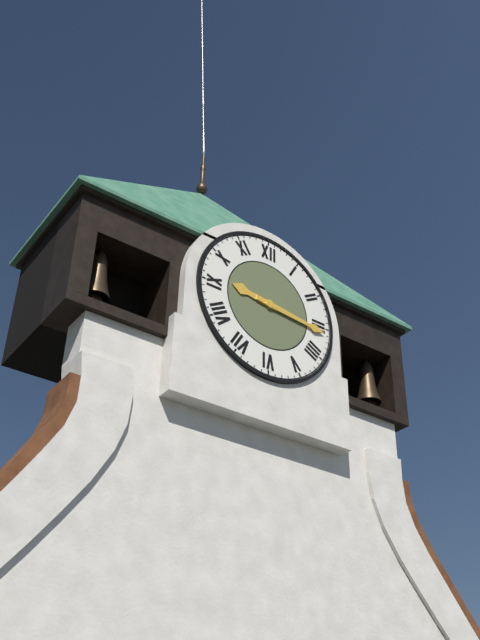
9:16
